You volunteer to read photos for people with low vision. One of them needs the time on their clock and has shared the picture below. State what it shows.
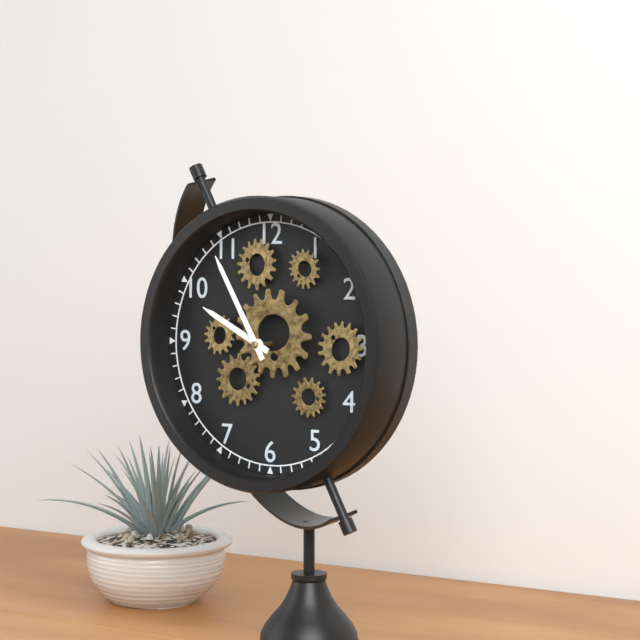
9:55
